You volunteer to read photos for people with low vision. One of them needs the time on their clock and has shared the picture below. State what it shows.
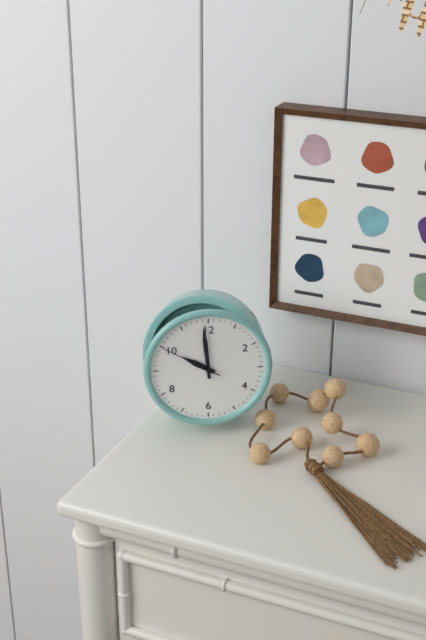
9:59:50
